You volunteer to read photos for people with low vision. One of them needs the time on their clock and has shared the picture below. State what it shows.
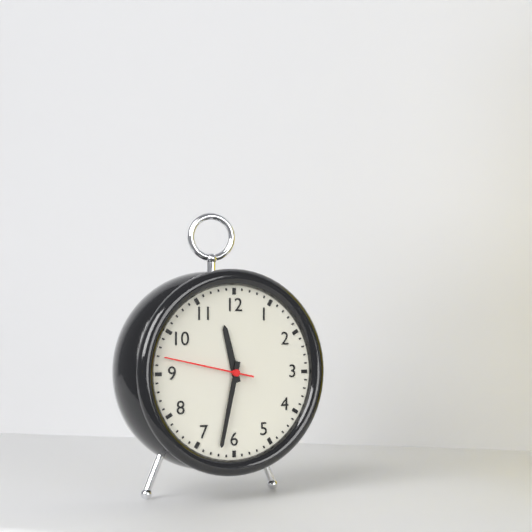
11:32:47
